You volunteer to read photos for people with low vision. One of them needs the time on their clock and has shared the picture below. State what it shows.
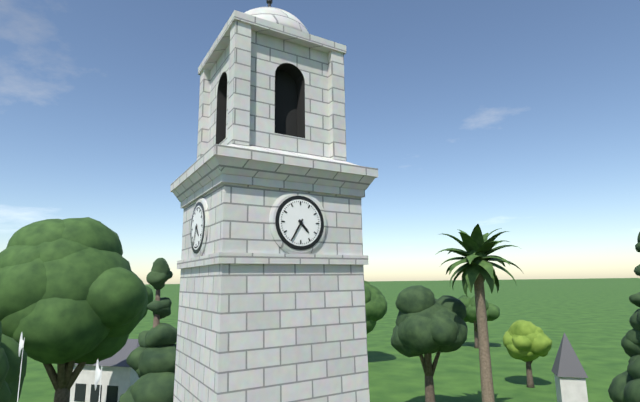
4:35
